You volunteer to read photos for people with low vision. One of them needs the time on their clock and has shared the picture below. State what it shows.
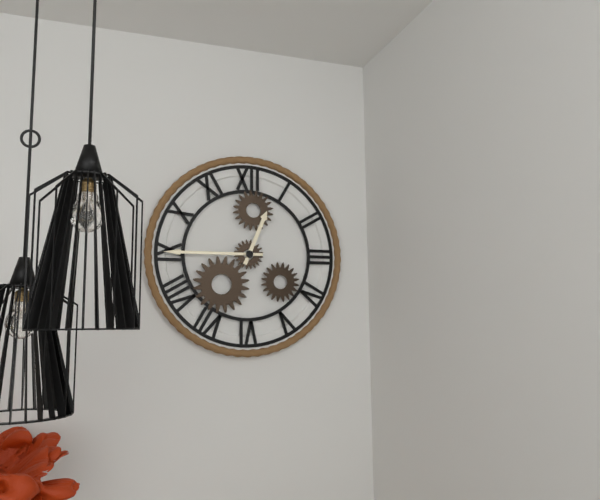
12:45
